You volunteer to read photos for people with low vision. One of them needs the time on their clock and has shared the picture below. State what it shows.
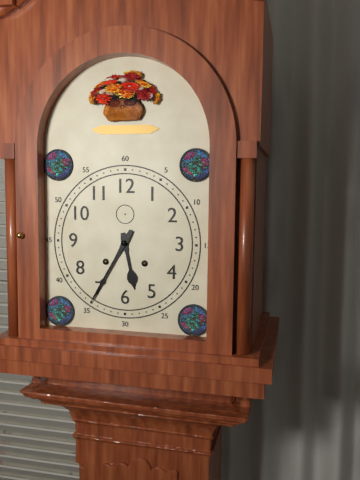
5:35
